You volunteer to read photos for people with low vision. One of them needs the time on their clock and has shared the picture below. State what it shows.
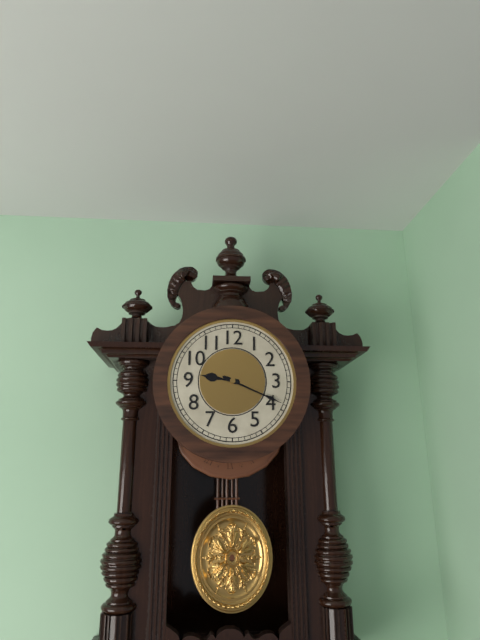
9:19
